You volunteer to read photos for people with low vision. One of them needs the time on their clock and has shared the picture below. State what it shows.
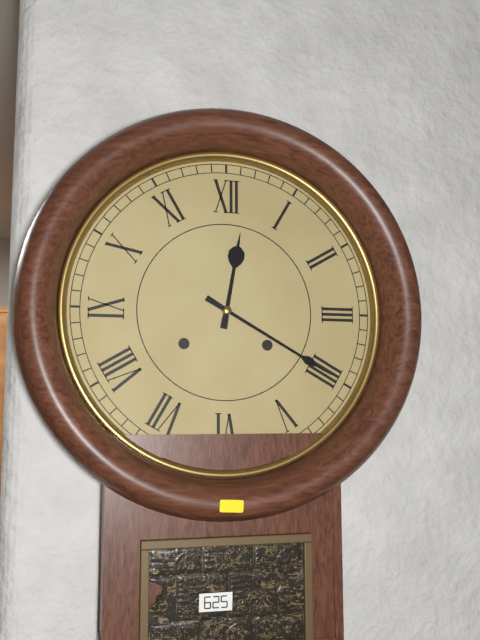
12:20
